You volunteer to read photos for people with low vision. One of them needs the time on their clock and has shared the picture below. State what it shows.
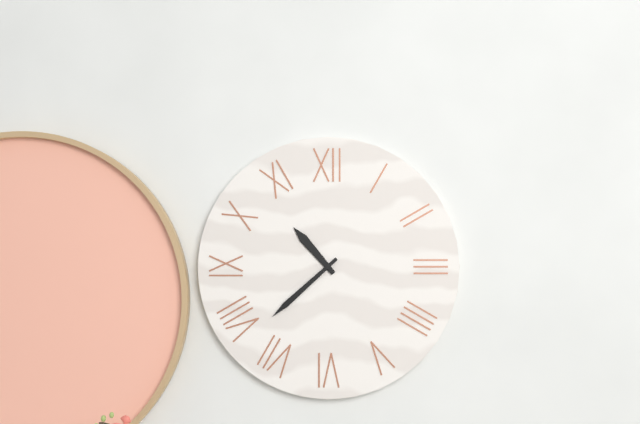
10:38
